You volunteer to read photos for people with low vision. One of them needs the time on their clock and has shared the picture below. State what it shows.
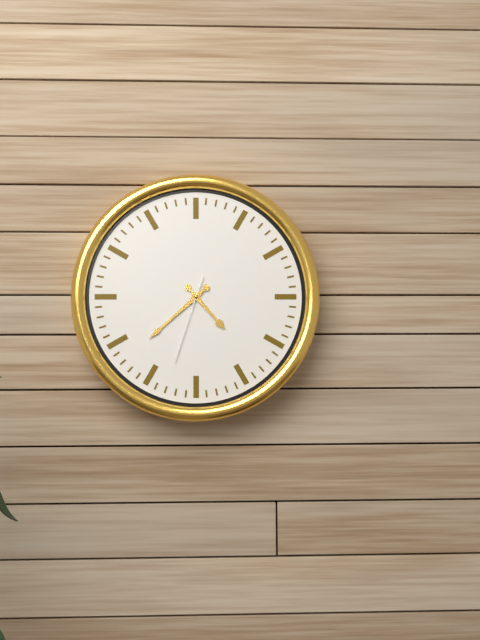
4:38:33
